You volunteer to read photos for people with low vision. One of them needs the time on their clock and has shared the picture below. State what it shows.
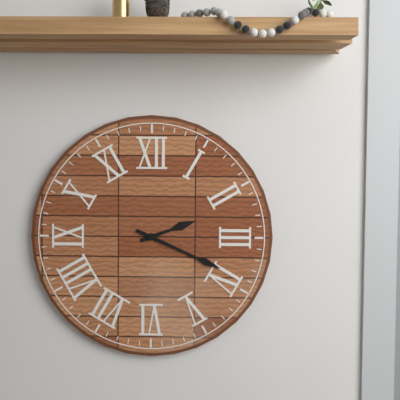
2:19
